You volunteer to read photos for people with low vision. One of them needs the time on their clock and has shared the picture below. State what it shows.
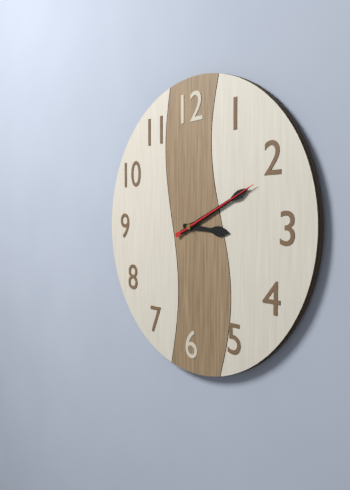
3:11:11
